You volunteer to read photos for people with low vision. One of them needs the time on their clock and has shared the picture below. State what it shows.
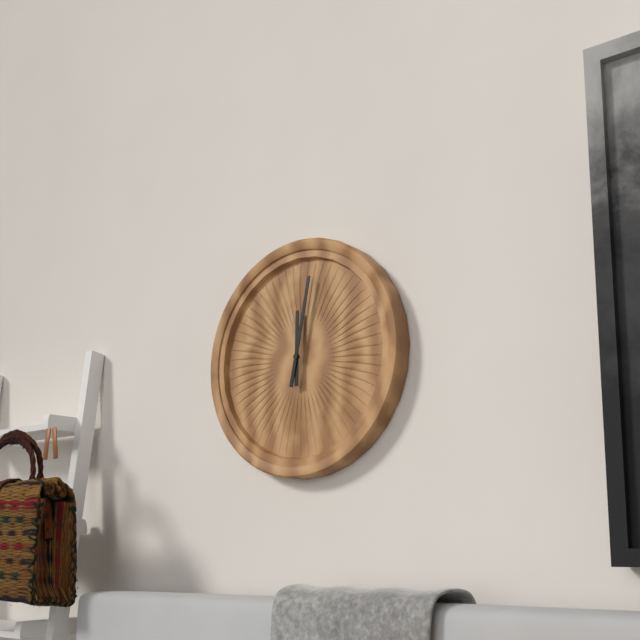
12:02
